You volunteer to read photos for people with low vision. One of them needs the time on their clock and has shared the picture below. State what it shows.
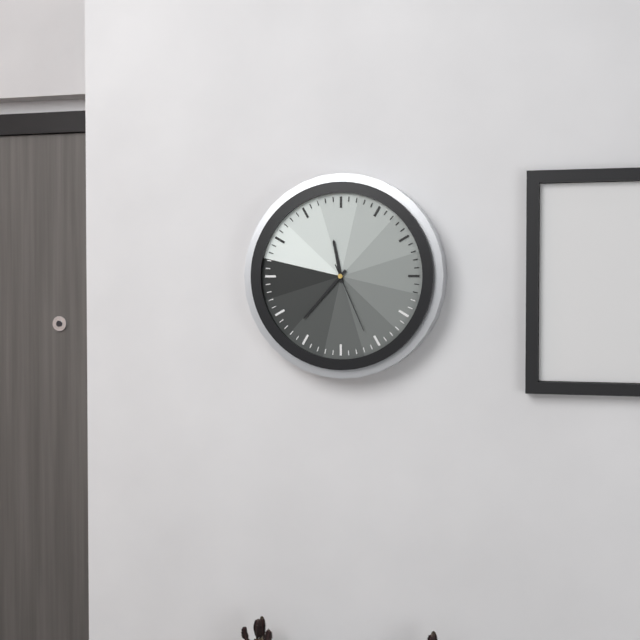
11:37:26
